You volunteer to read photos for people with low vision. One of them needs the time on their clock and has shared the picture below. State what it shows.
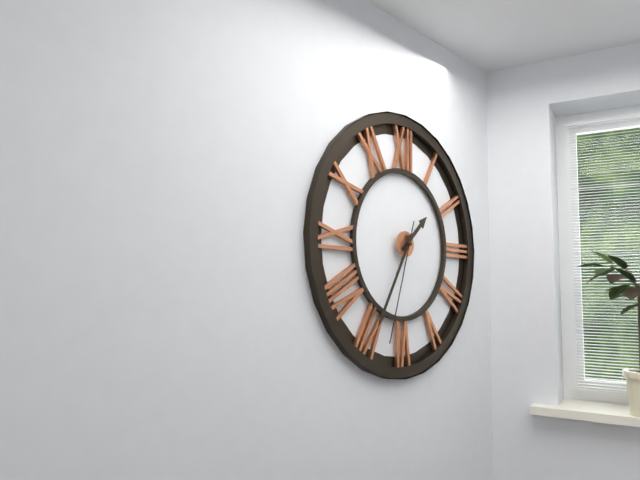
1:35:33
